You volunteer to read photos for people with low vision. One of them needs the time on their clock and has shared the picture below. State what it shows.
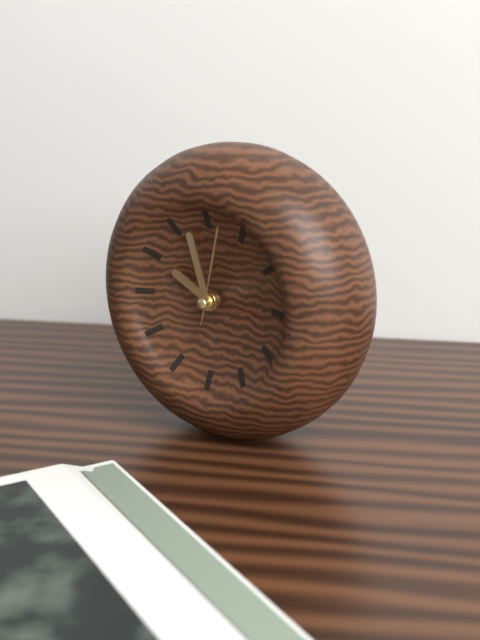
9:57:02
